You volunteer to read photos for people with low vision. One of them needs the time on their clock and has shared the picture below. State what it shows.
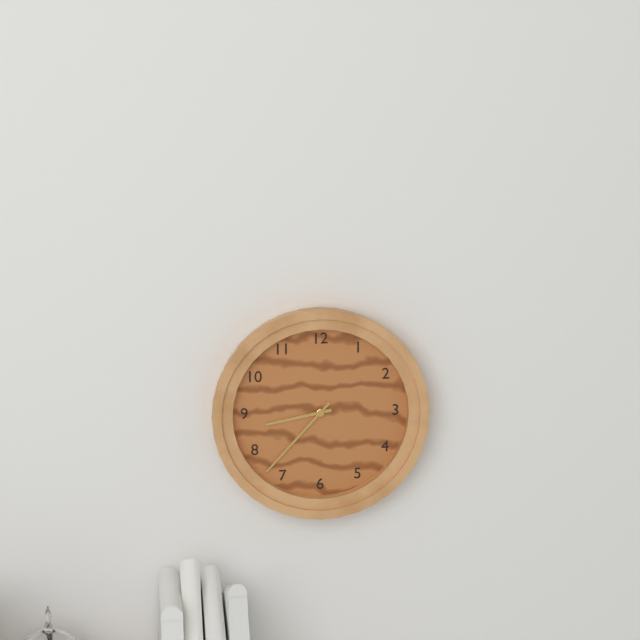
8:37
